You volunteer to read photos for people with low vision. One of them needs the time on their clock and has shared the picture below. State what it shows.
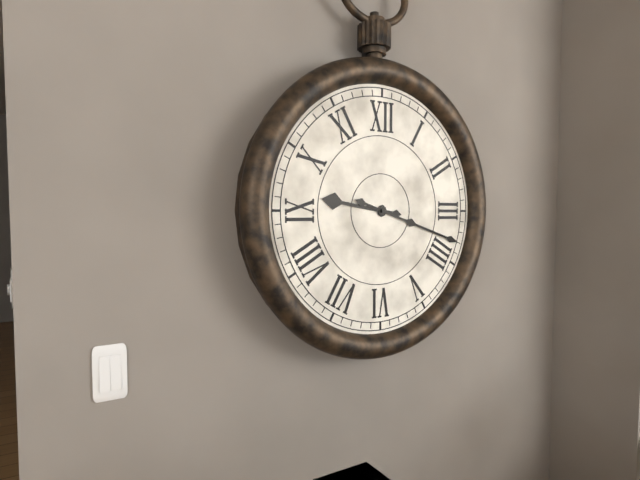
9:18
